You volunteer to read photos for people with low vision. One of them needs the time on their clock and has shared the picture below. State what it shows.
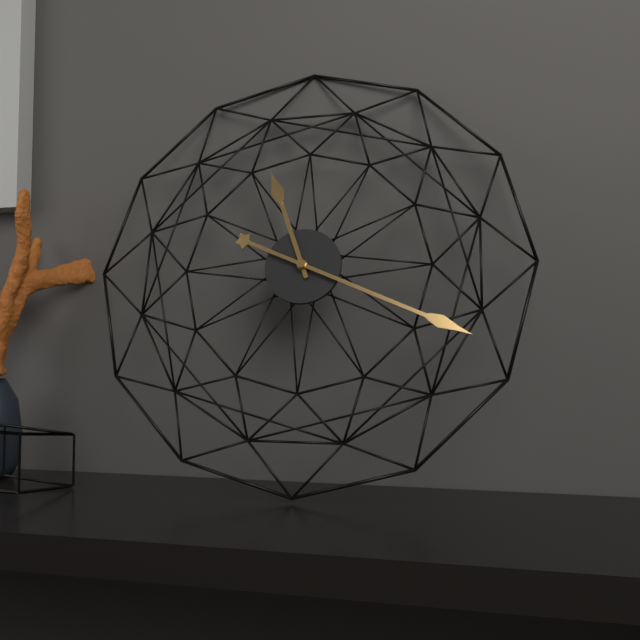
11:19
